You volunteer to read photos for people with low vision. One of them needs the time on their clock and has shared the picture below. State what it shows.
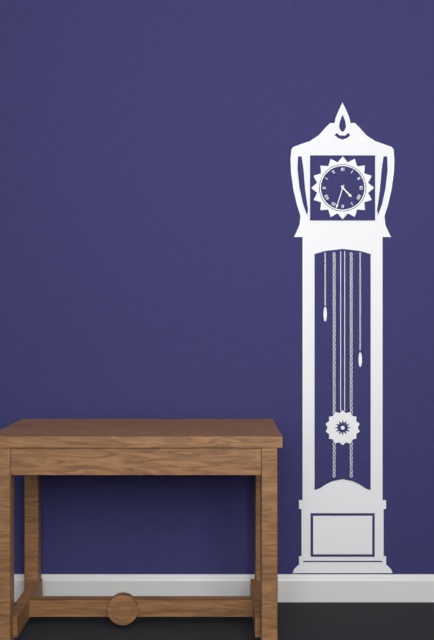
4:33
